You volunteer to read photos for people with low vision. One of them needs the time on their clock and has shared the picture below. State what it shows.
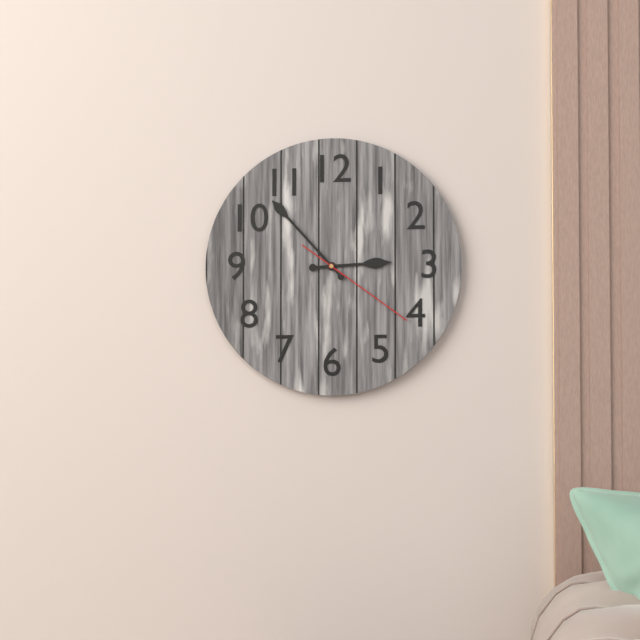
2:53:21
